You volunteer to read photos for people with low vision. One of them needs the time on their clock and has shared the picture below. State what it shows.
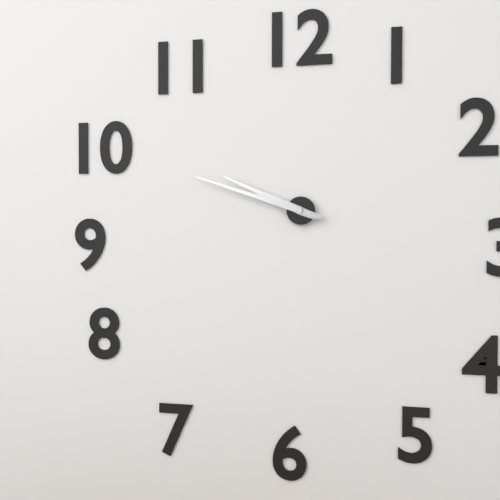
9:48
